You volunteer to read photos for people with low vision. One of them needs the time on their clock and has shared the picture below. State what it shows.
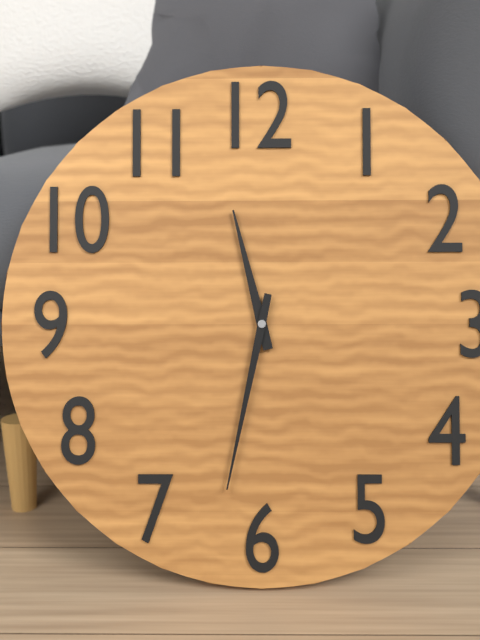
11:32
